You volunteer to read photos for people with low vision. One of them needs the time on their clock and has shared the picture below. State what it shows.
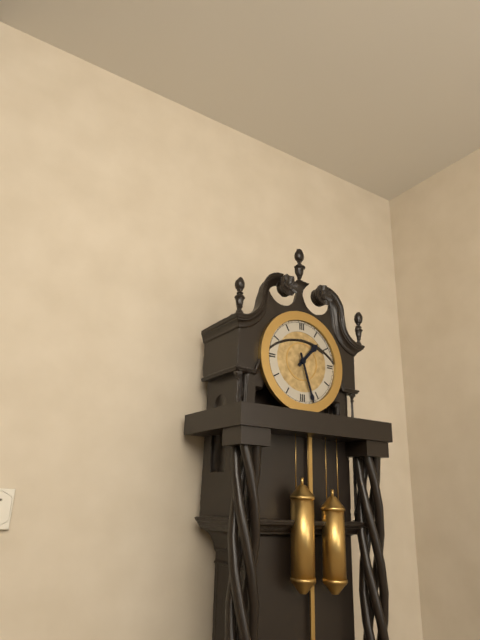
1:27
